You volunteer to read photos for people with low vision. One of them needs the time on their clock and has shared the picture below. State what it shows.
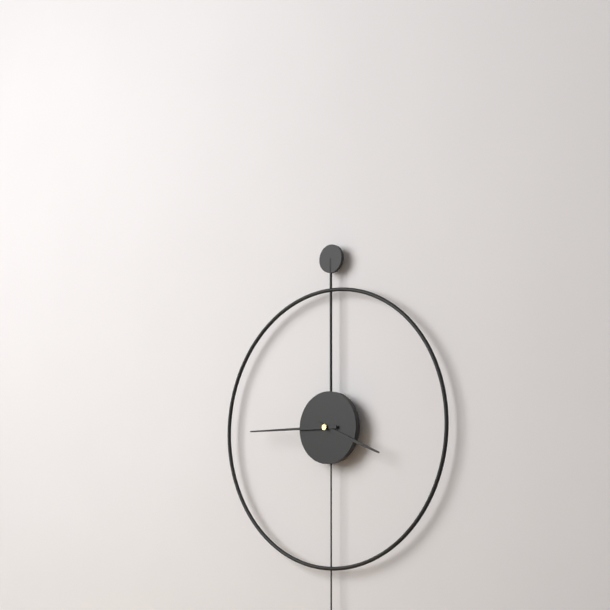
3:45
